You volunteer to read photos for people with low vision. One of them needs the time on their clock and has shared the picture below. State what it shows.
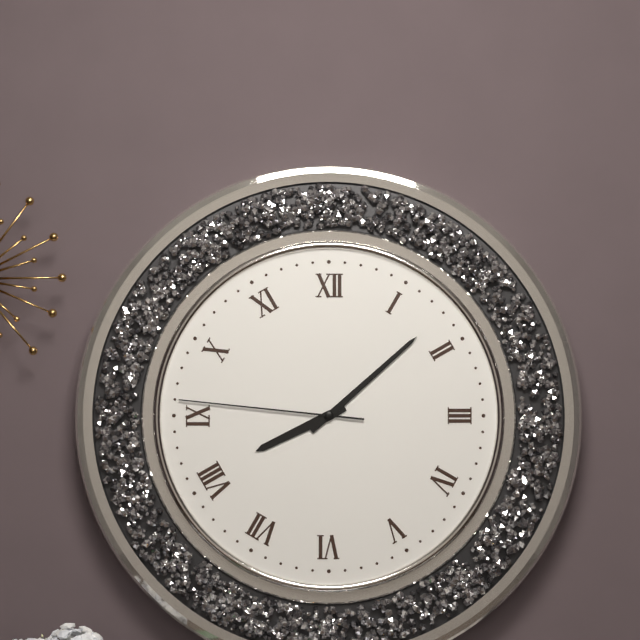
8:08:46
